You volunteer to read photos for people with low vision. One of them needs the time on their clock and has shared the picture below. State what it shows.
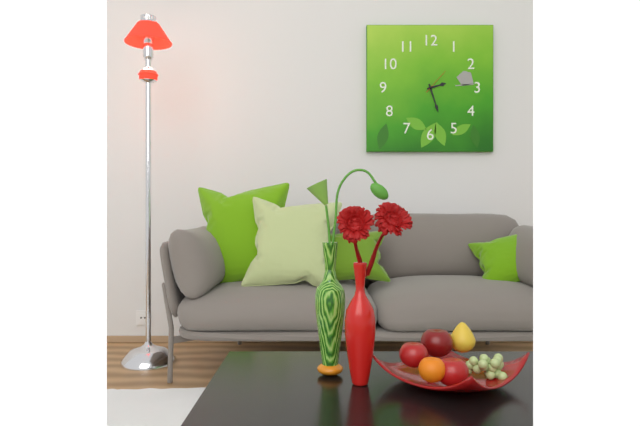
2:27
